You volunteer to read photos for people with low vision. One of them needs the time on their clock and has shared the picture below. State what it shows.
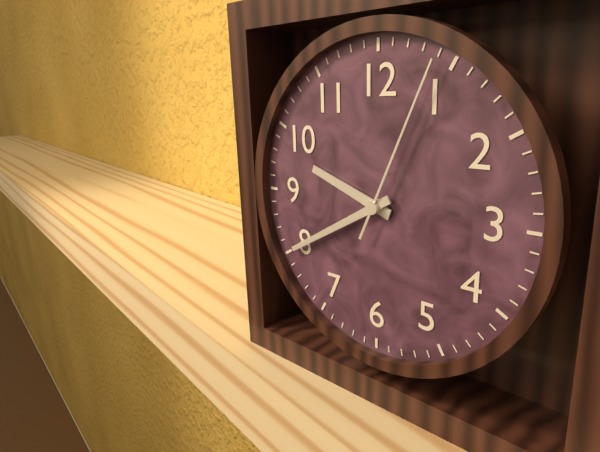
9:40:04
